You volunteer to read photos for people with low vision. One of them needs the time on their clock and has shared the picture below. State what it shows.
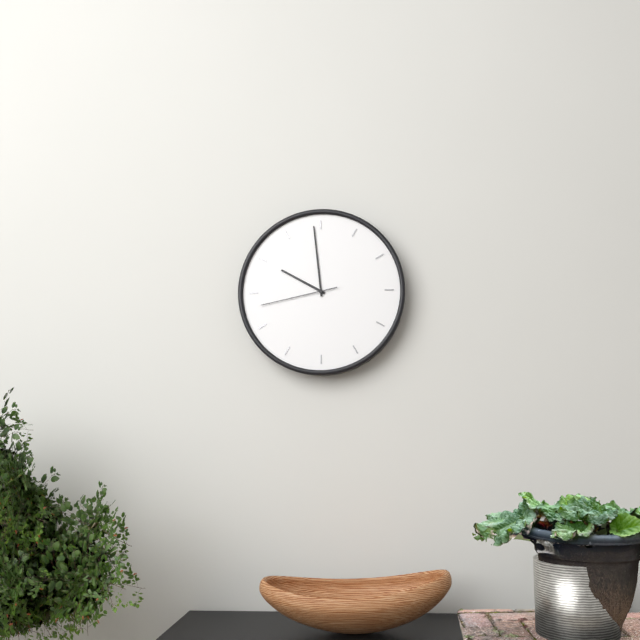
9:59:43
